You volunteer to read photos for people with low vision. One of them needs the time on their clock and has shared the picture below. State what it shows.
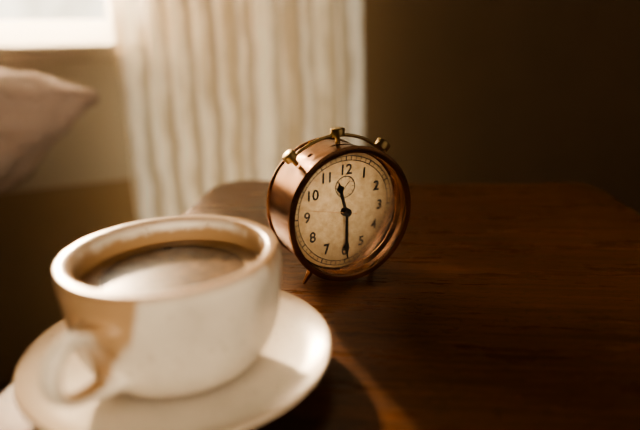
11:30:47
